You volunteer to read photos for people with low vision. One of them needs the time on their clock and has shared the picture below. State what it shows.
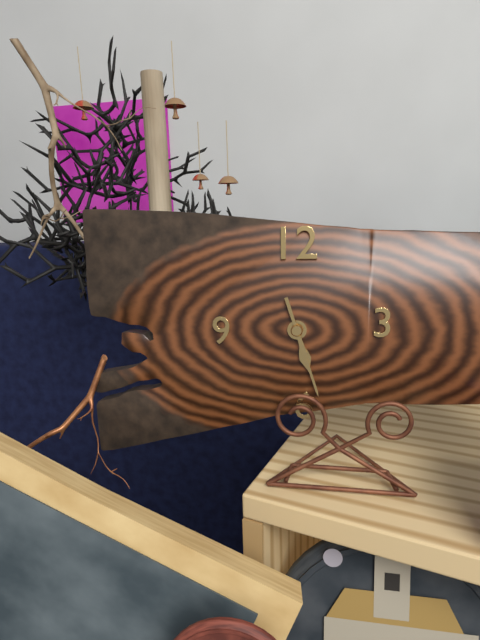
5:27
